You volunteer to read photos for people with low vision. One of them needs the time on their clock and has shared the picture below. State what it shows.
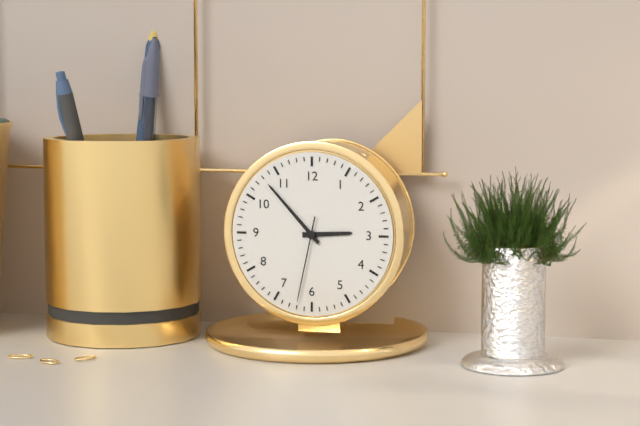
2:53:32
